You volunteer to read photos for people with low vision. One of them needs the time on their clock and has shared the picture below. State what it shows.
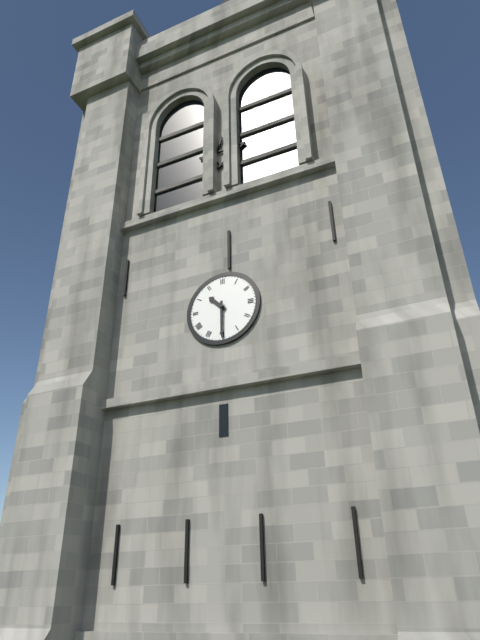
10:30
